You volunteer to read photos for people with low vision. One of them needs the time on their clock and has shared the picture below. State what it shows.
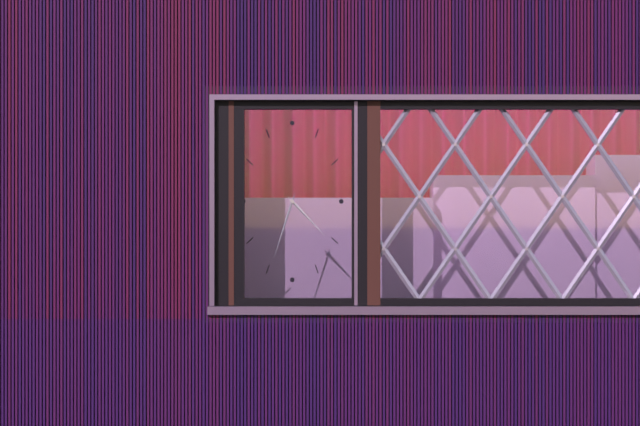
4:33
